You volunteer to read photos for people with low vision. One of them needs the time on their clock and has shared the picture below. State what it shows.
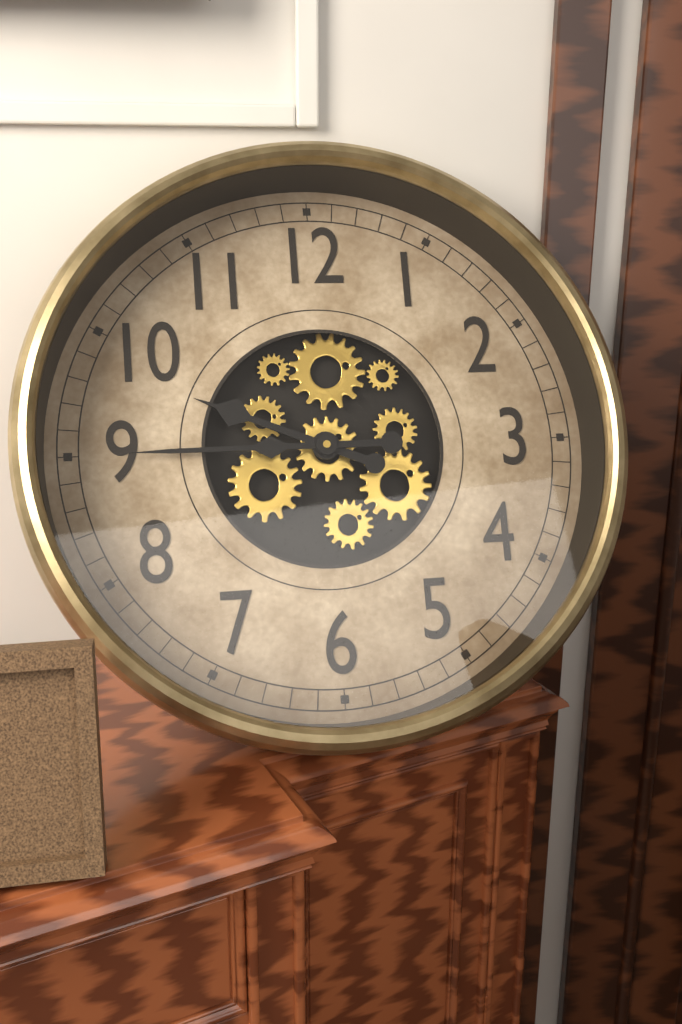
9:45
